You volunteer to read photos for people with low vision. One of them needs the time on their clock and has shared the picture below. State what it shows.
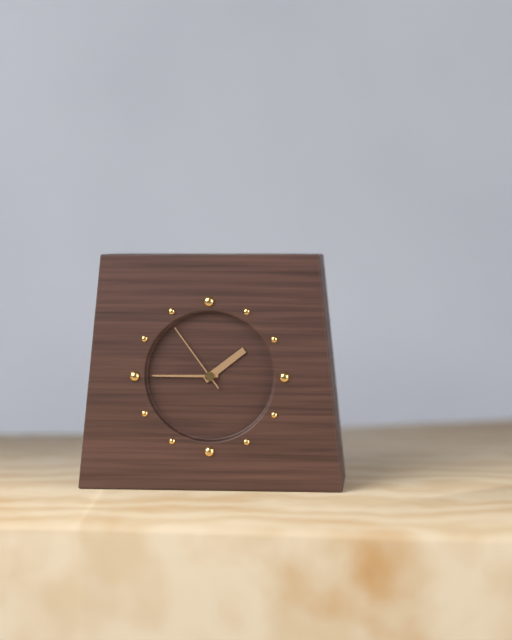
1:45:54
